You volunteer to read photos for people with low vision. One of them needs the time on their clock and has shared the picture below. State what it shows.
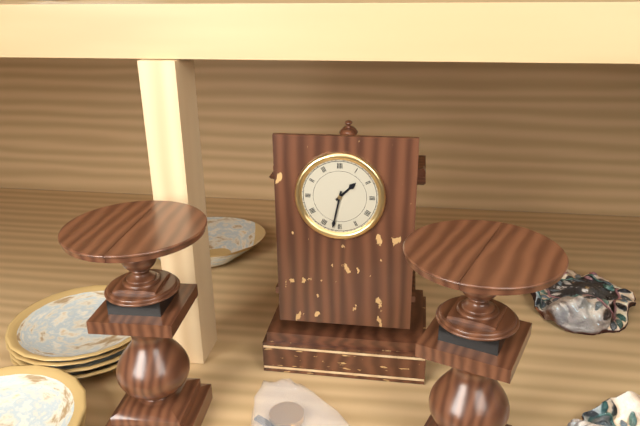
1:32
